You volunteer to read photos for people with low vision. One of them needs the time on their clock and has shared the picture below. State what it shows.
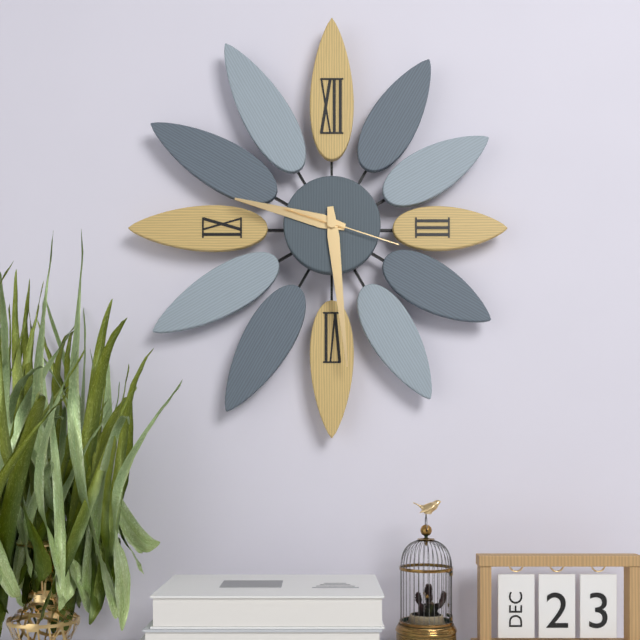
9:29:18
